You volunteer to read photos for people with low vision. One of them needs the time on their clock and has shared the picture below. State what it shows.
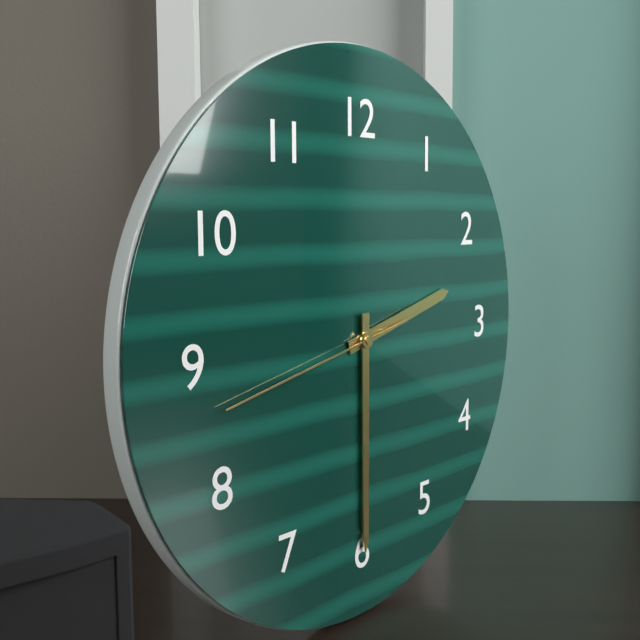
2:30:43
